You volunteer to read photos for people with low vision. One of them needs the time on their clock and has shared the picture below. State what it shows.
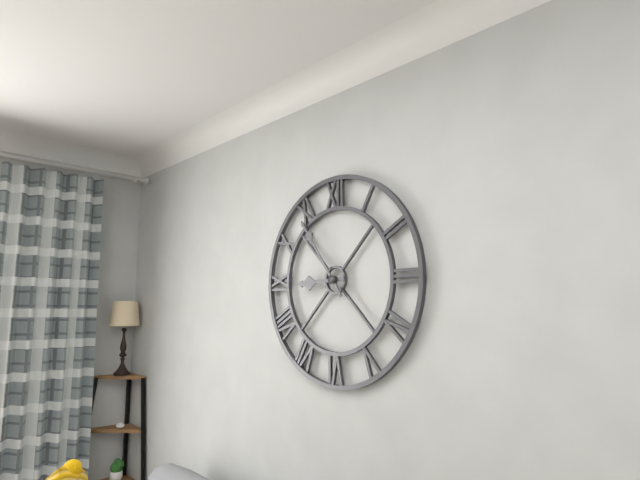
8:54
